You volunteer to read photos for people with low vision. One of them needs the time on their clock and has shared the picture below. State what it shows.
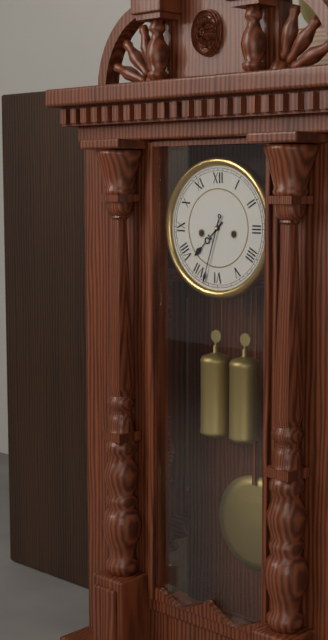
7:33
